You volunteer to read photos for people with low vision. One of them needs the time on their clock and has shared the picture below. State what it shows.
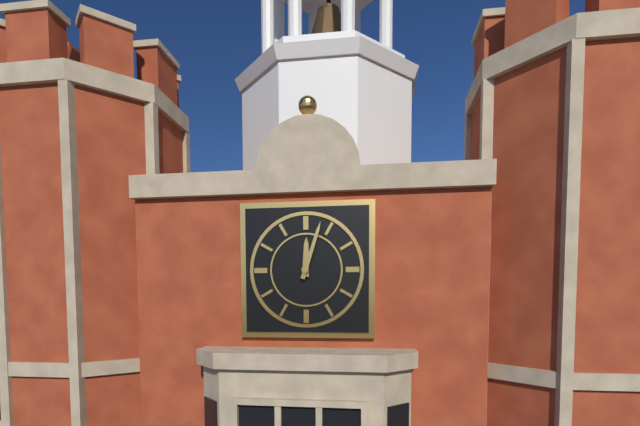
12:03
